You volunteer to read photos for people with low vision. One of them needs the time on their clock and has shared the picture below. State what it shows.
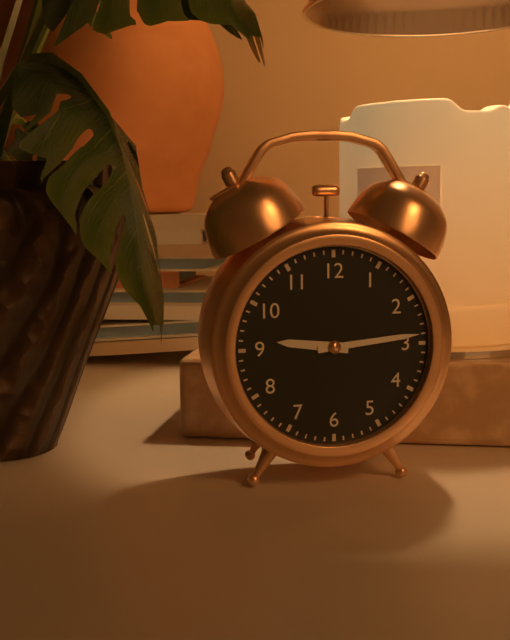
9:14
